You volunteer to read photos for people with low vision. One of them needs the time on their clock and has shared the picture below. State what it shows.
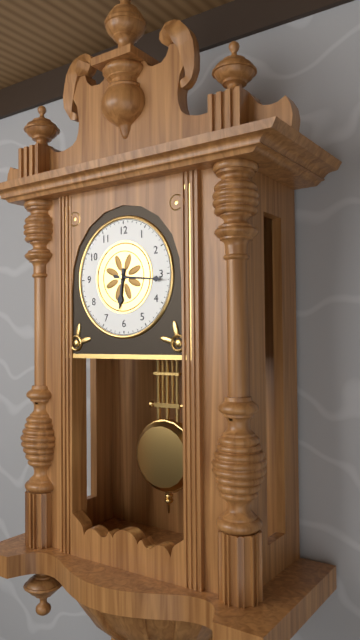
6:16
